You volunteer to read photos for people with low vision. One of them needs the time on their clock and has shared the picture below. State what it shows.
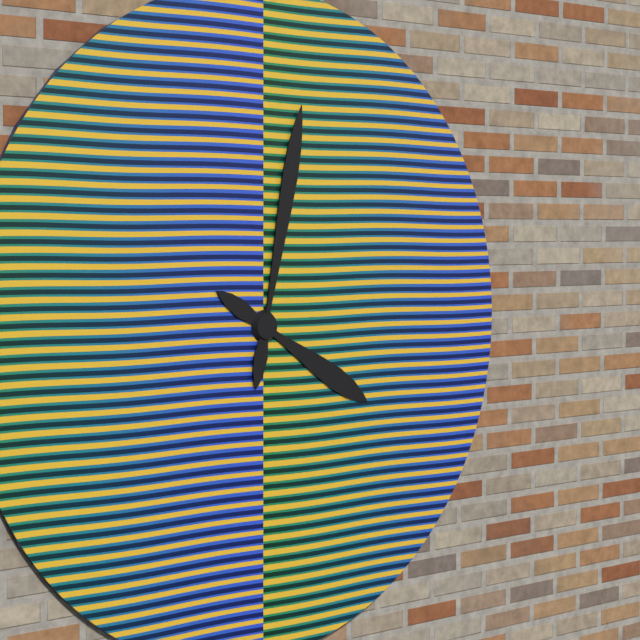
4:02
